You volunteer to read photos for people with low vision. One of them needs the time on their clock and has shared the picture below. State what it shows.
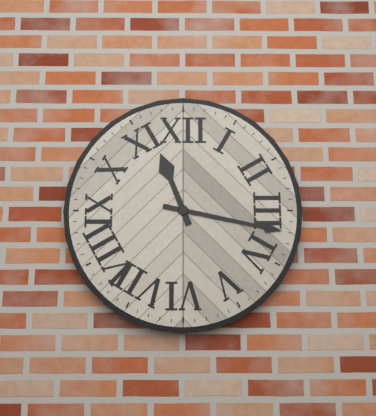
11:17
